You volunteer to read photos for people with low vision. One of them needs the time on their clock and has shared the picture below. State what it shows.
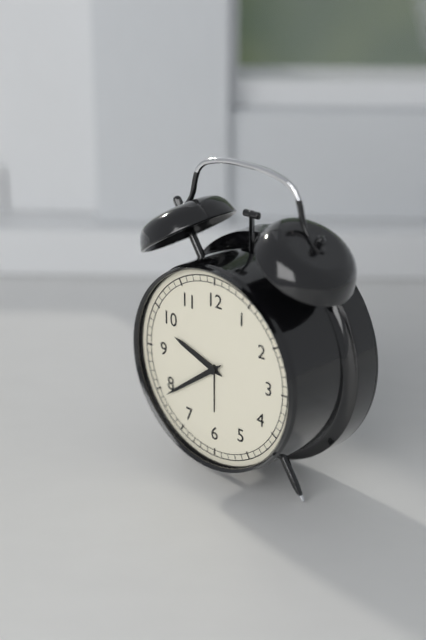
9:39
